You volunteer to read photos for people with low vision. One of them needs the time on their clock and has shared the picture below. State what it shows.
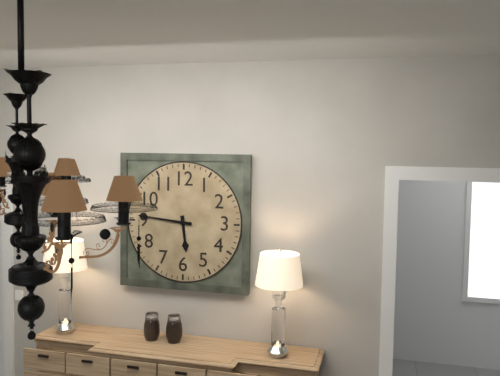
5:46
